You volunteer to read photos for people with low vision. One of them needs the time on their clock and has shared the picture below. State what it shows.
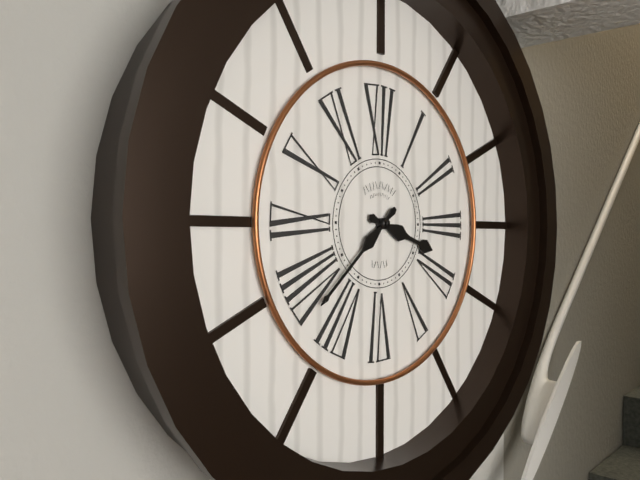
3:38
